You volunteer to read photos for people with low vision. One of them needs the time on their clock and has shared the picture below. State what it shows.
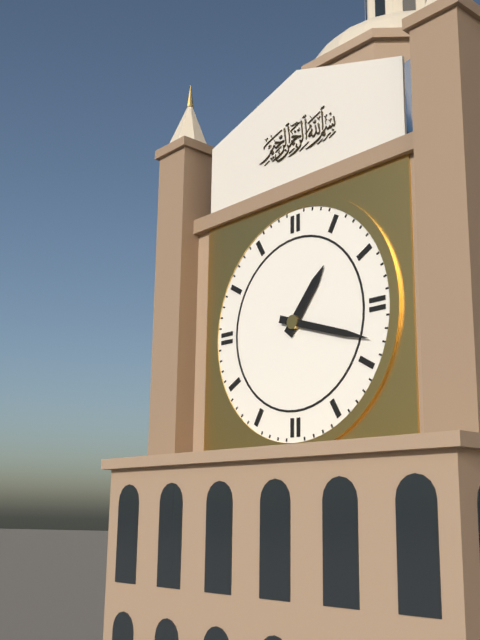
1:18
